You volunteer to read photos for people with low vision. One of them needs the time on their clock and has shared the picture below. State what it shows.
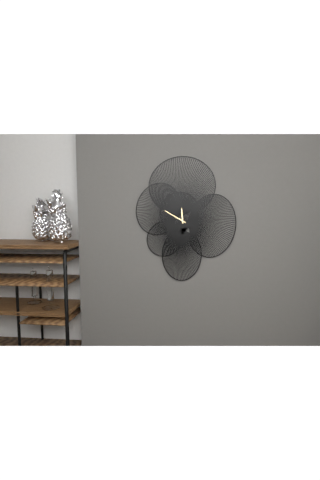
11:50
